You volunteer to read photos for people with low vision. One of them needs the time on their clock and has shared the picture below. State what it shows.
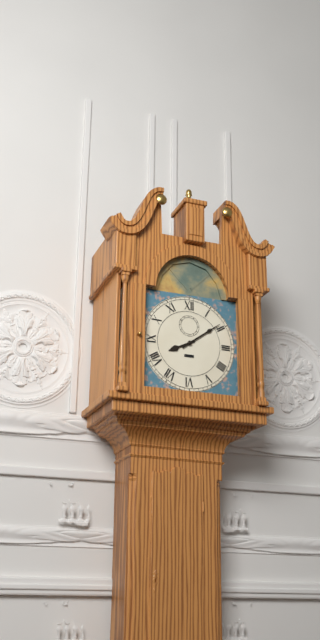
8:09
